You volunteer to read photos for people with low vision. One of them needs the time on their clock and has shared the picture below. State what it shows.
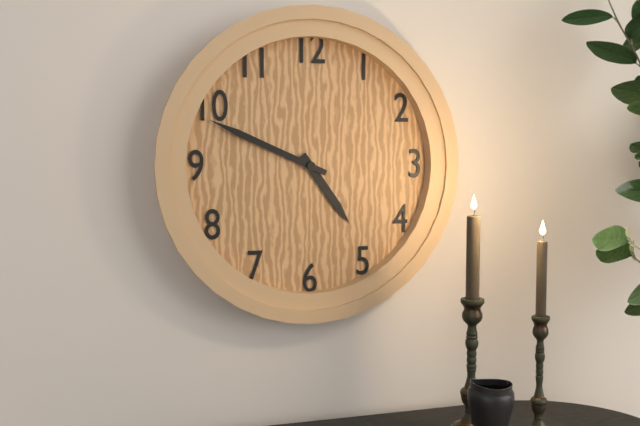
4:49
